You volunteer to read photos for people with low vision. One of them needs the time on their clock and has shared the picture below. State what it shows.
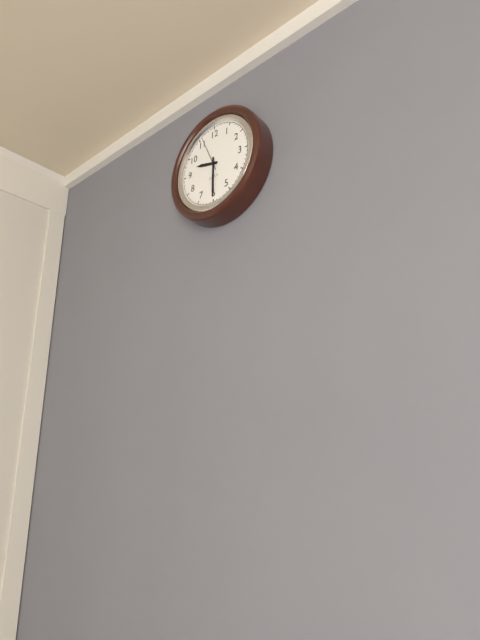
9:30
